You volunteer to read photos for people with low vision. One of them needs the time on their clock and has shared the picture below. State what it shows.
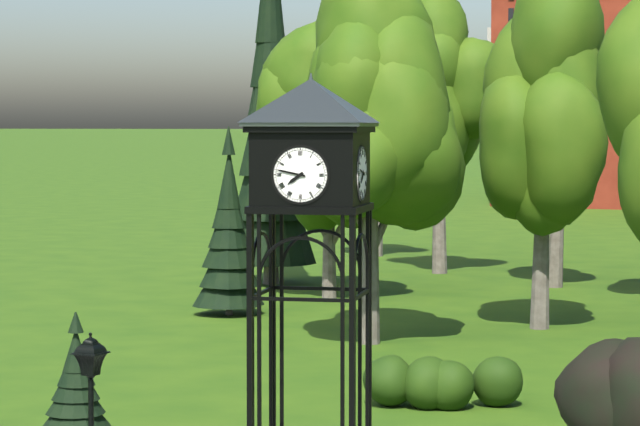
7:47
